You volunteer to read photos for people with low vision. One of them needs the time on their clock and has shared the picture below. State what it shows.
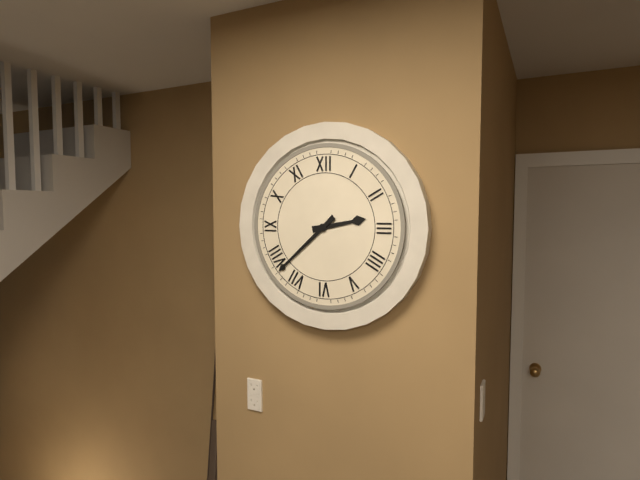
2:38
